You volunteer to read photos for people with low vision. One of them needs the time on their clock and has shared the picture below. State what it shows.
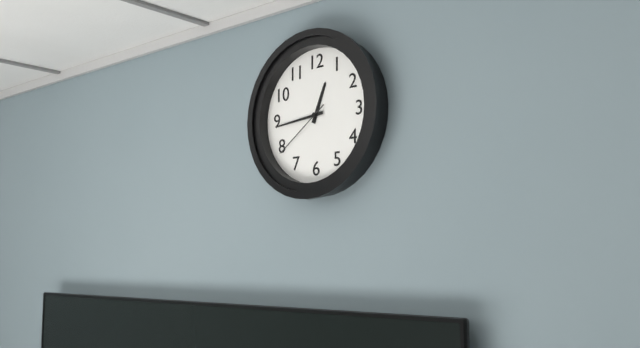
12:44:39
